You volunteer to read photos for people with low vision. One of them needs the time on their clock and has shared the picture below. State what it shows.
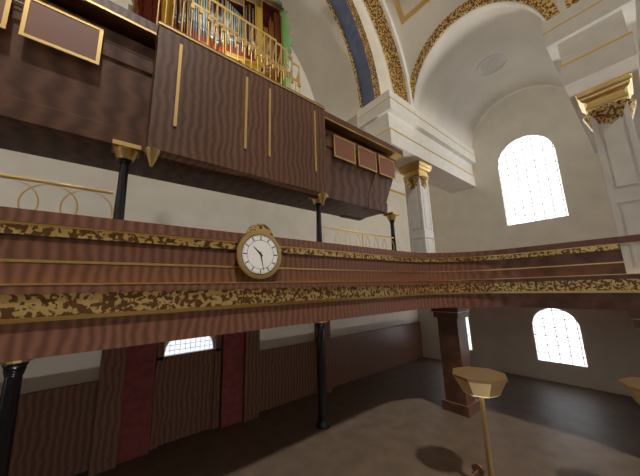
10:28
